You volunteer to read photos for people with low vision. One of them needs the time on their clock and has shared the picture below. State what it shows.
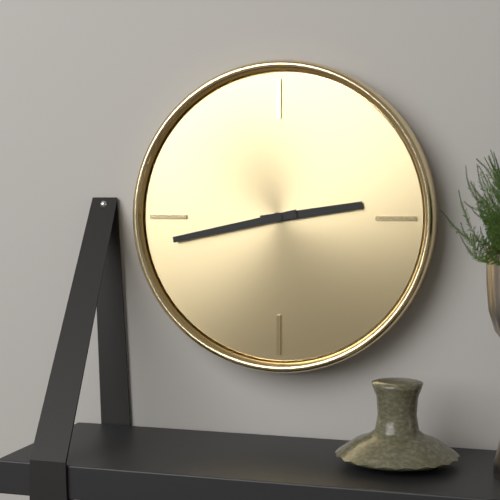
2:43
